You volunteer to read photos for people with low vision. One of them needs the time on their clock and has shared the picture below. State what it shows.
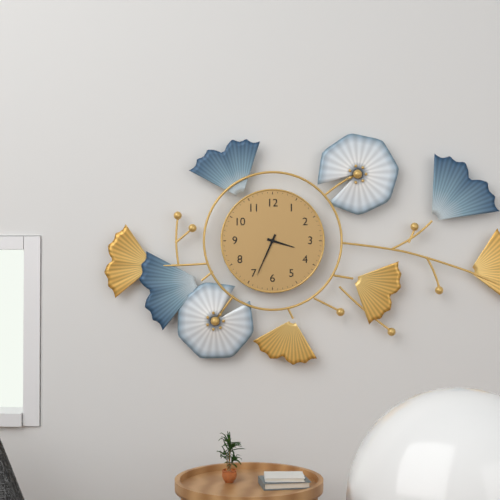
3:34
